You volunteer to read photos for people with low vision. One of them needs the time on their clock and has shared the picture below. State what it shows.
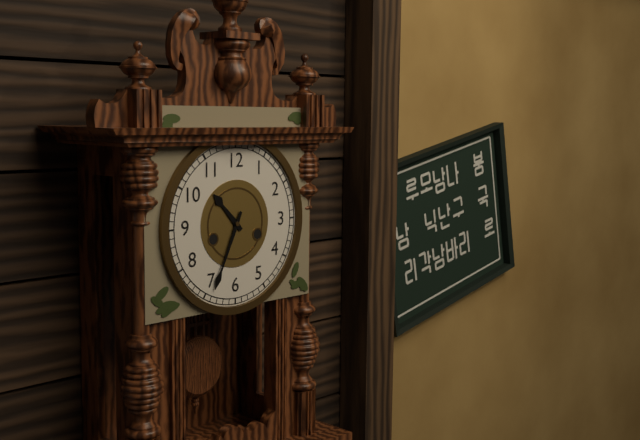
10:34
